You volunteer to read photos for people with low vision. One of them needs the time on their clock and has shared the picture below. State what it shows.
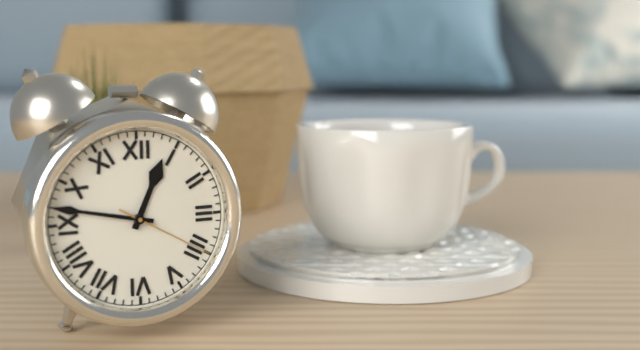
12:47:20
